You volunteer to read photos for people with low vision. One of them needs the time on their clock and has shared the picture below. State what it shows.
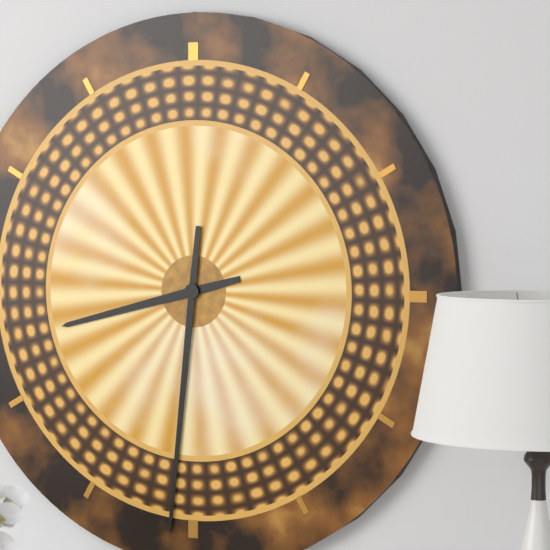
8:31
